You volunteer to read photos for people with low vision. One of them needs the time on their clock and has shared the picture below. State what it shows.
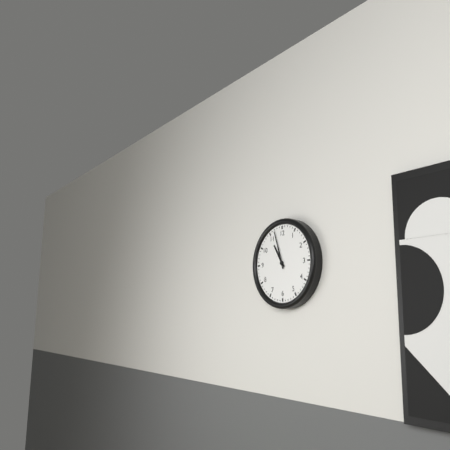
10:57
